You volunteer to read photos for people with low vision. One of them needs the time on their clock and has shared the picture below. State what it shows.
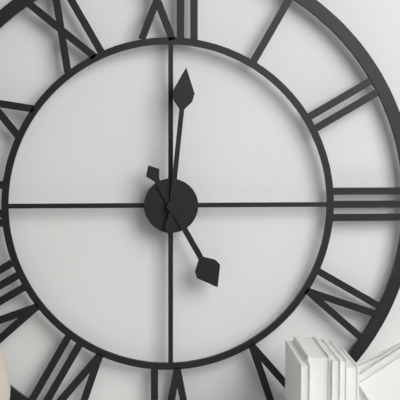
5:01
